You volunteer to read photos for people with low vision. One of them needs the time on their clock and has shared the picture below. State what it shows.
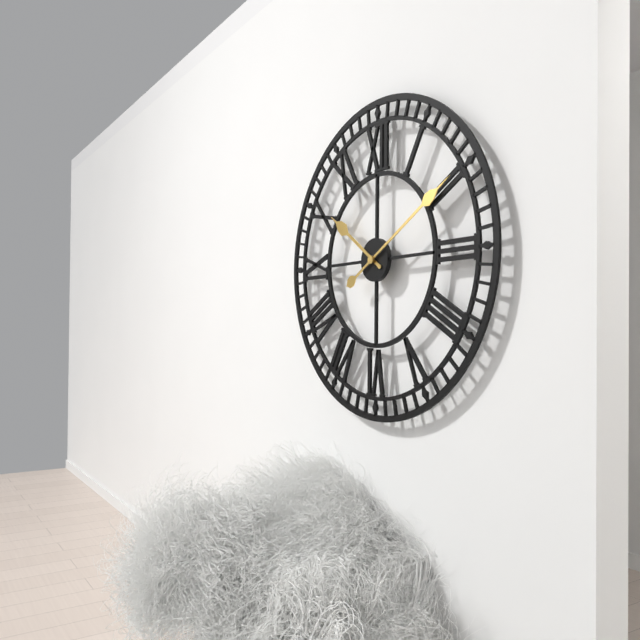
10:10
